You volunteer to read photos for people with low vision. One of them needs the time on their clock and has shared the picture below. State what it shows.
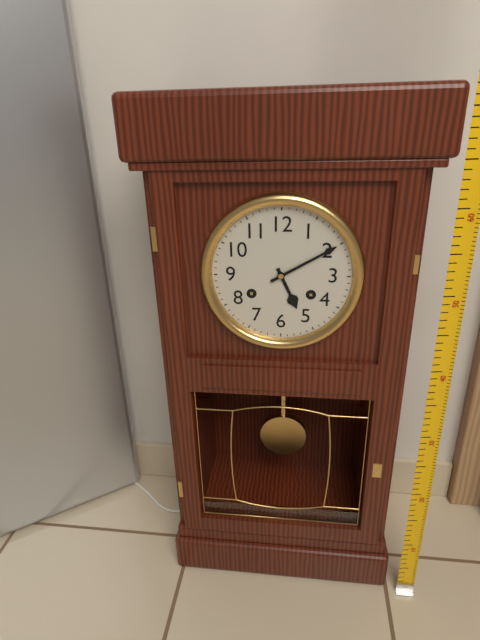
5:10
